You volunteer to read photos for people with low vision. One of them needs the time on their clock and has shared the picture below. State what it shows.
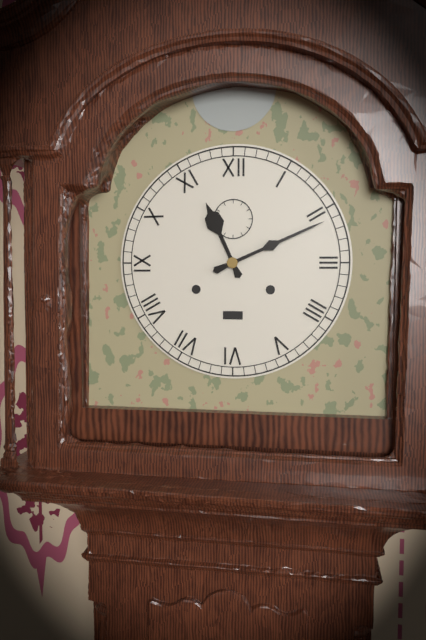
11:11
